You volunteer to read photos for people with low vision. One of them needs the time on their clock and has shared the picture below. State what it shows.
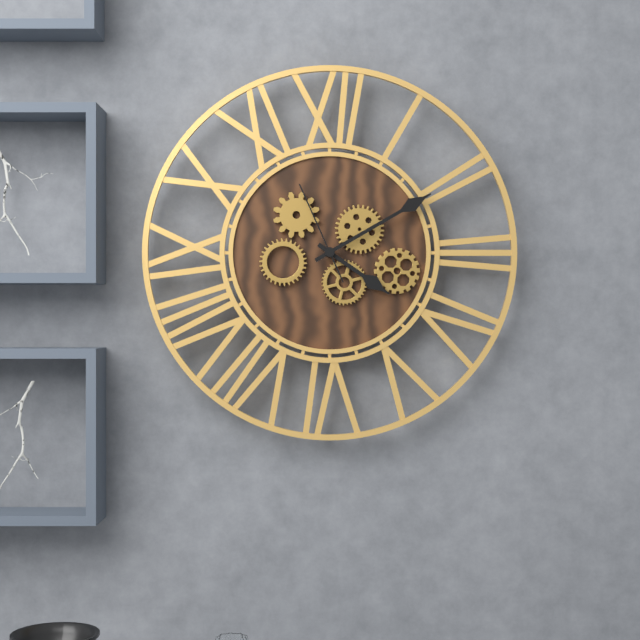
4:10:56
